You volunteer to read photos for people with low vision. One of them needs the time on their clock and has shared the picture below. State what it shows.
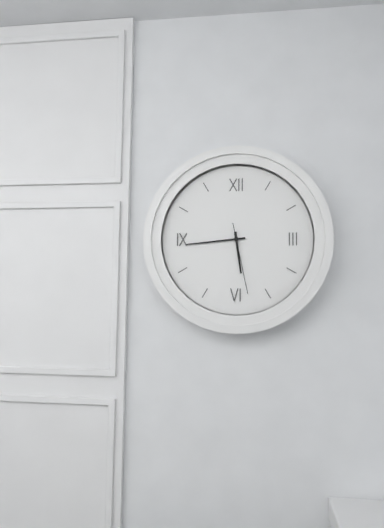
5:44:28
